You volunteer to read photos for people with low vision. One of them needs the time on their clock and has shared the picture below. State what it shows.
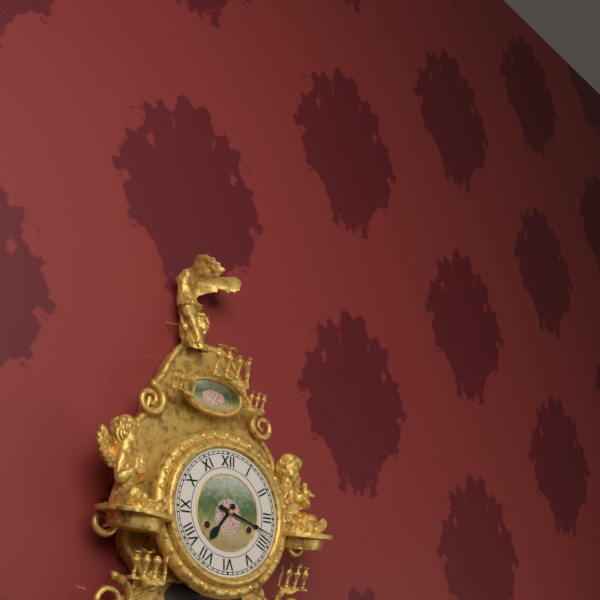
7:18
